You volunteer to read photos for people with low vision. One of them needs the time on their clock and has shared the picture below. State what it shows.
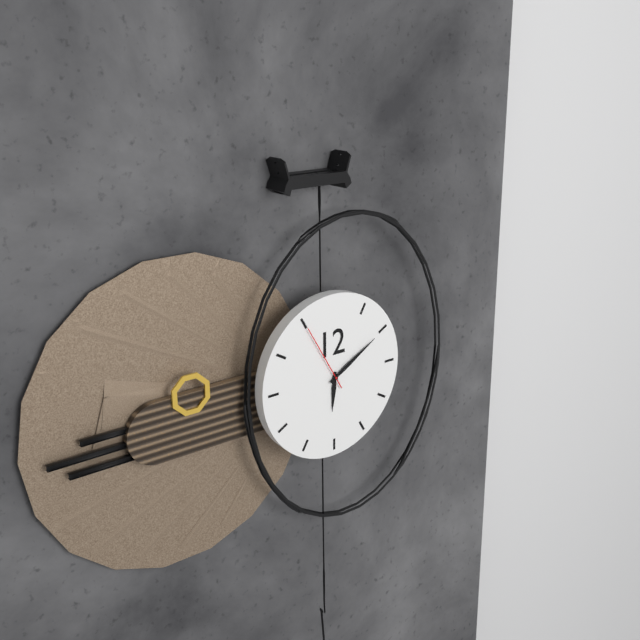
6:10:55
